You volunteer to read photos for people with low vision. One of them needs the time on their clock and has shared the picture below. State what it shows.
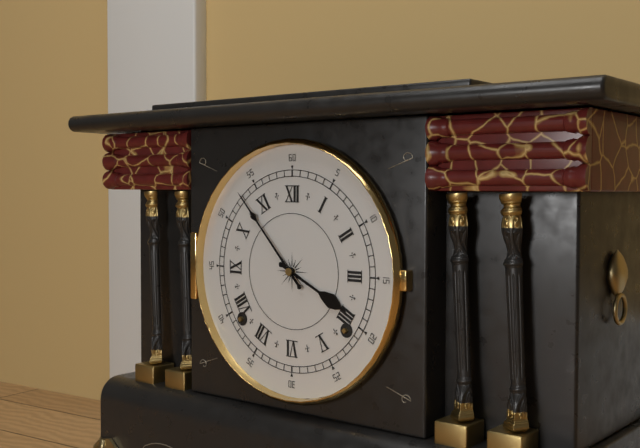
3:53
